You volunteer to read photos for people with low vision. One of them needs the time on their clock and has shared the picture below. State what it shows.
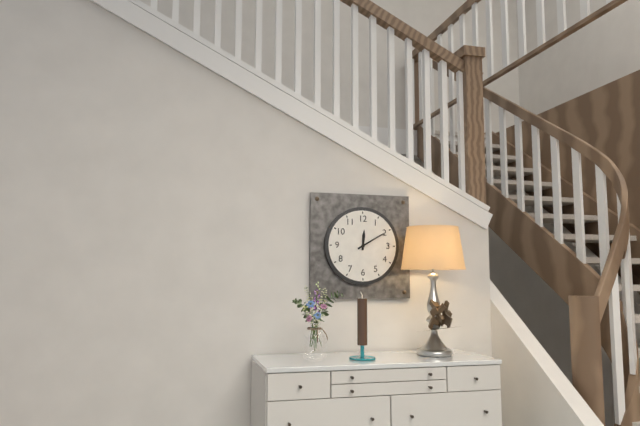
12:10
